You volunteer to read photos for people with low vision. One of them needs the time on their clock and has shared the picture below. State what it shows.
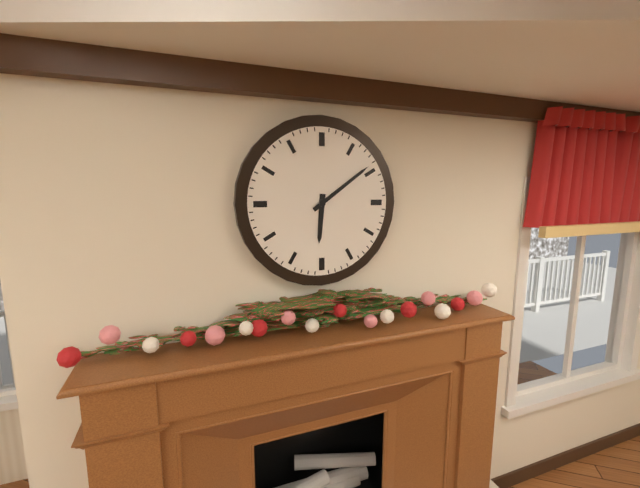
6:09
